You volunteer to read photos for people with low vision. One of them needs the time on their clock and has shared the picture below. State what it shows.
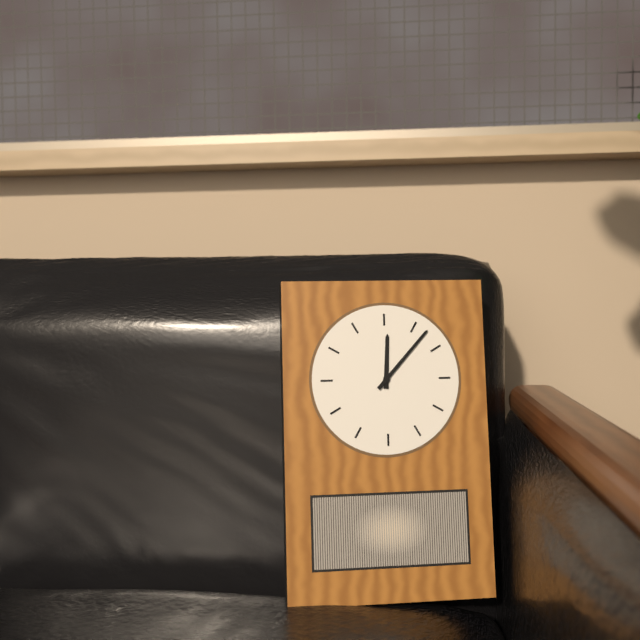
12:07
